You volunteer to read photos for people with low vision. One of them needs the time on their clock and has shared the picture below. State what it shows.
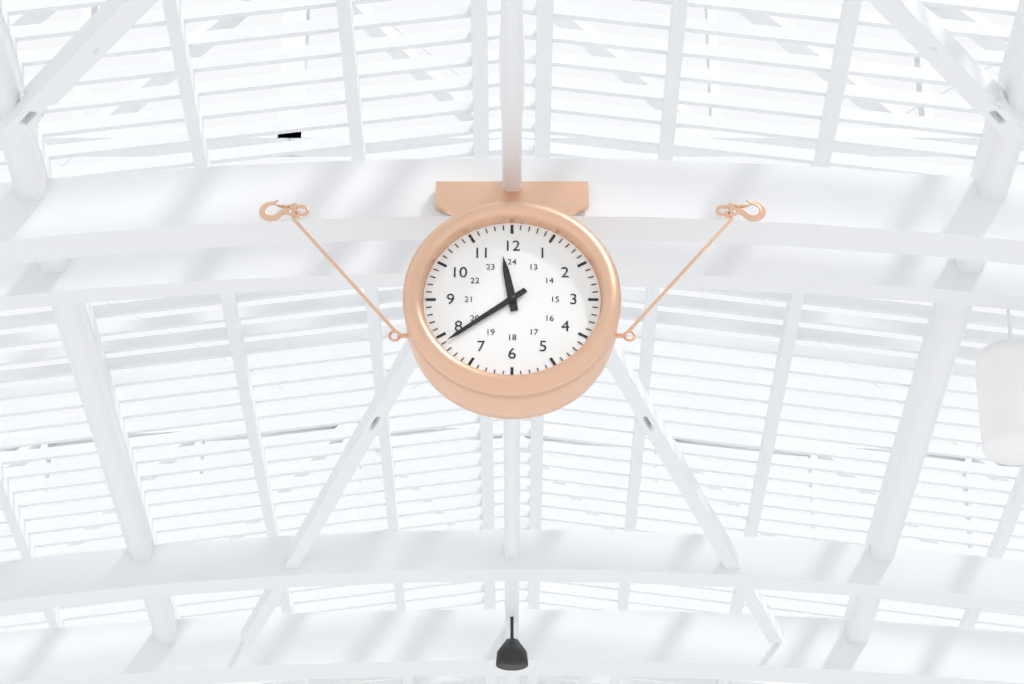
11:39
